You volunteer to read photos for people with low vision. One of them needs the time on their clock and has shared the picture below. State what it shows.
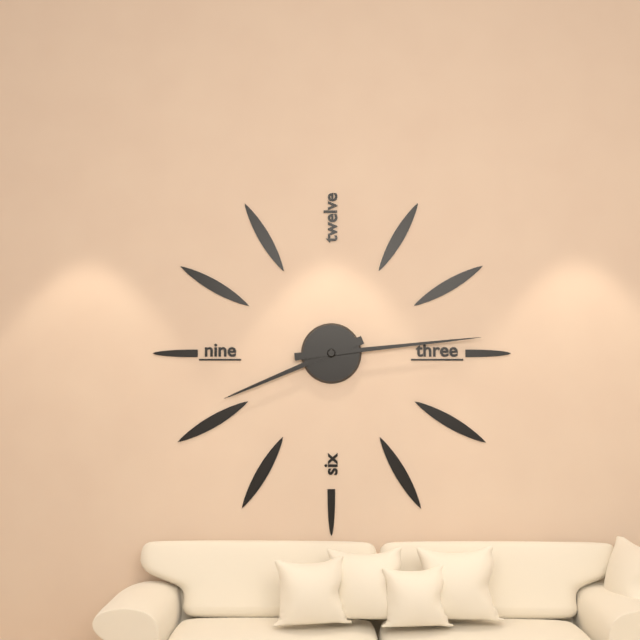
8:14
